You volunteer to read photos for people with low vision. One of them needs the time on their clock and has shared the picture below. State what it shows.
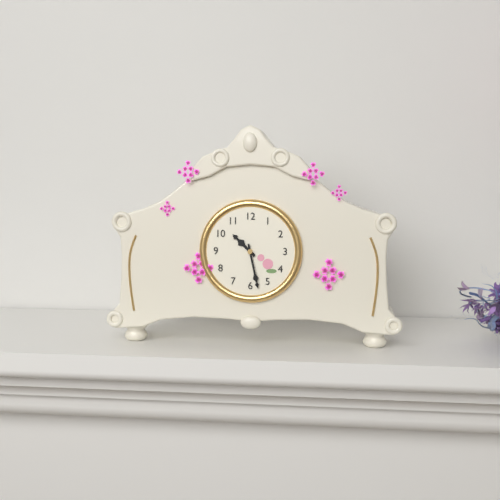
10:28
